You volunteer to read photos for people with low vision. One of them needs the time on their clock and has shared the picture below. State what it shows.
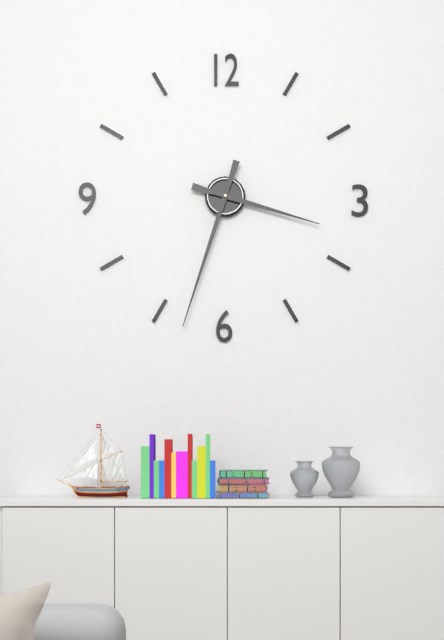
3:33
